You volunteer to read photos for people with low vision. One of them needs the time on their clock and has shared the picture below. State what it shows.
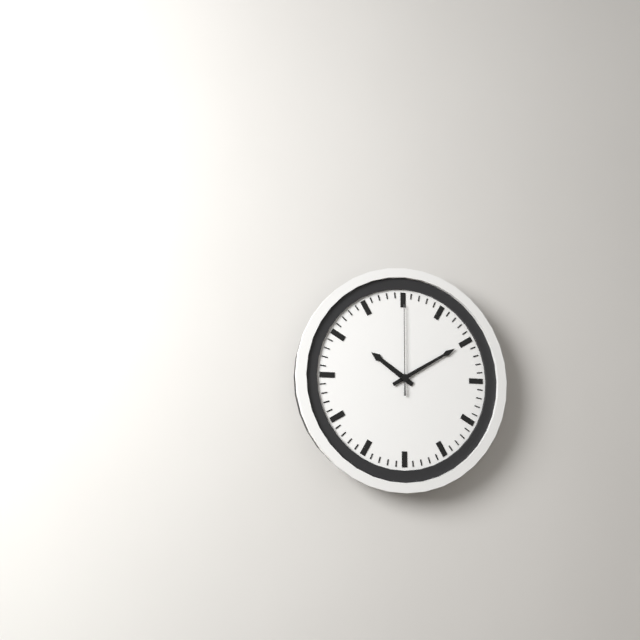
10:10:00
